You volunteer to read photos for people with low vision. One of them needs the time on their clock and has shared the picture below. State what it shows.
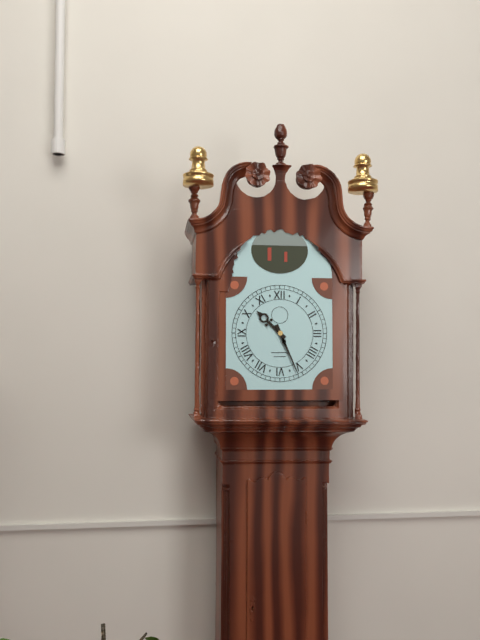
10:26
